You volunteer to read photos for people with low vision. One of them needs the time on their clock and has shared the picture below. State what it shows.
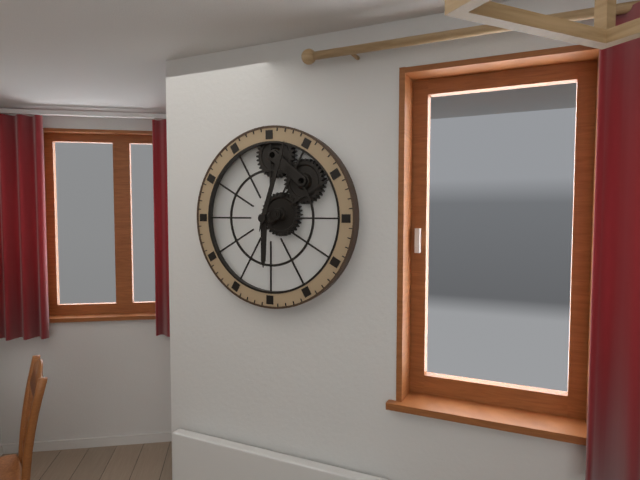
6:03
